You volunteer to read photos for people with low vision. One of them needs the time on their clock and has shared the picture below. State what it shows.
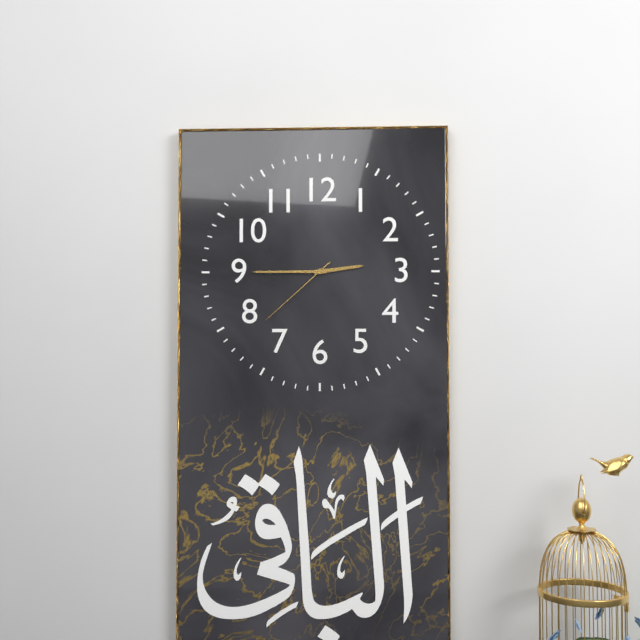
2:45:38
